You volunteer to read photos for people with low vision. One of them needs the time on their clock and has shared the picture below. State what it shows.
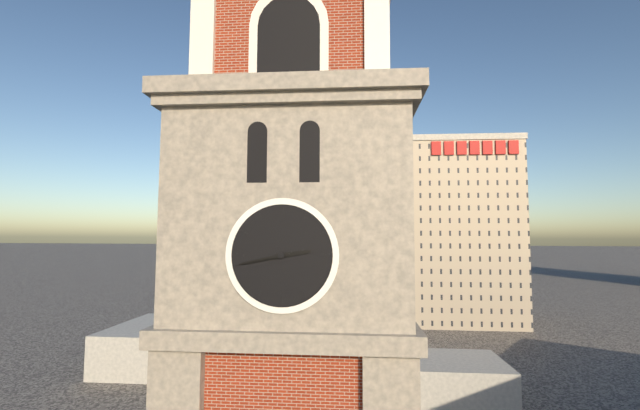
2:43
